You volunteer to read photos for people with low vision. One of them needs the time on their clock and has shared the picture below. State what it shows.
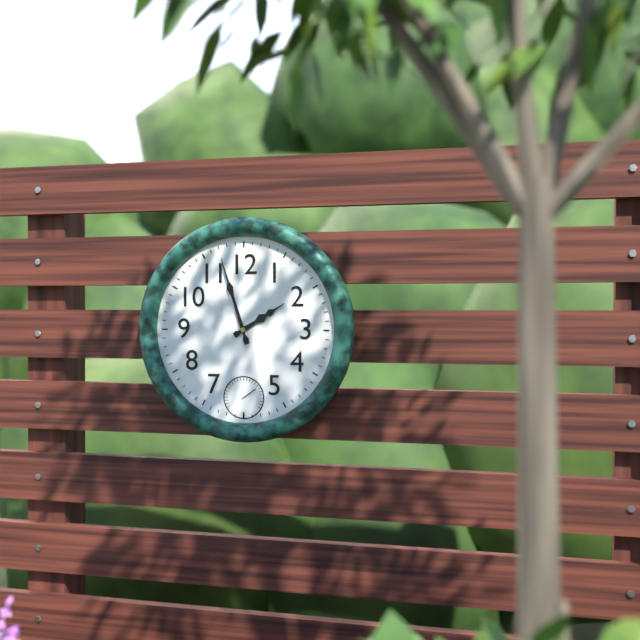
1:57
